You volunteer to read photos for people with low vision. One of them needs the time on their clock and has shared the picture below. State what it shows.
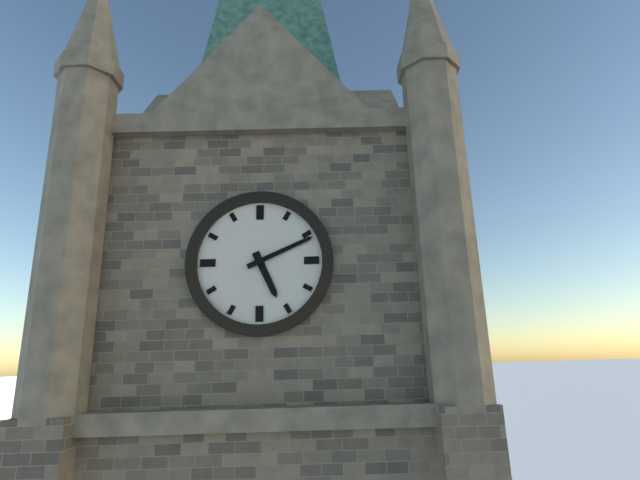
5:11
